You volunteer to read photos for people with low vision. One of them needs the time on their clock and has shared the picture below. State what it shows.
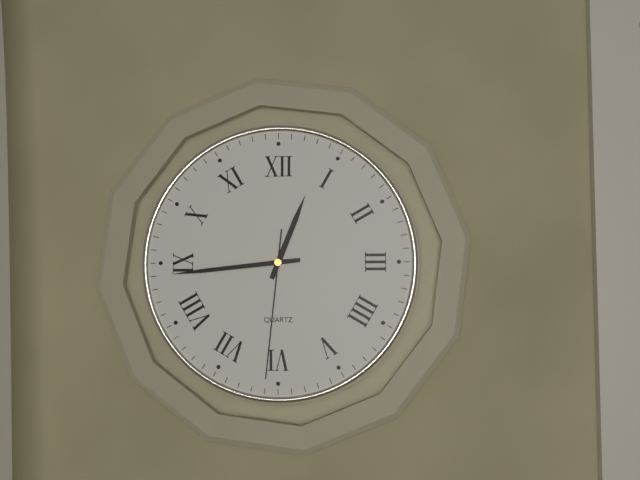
12:44:31
